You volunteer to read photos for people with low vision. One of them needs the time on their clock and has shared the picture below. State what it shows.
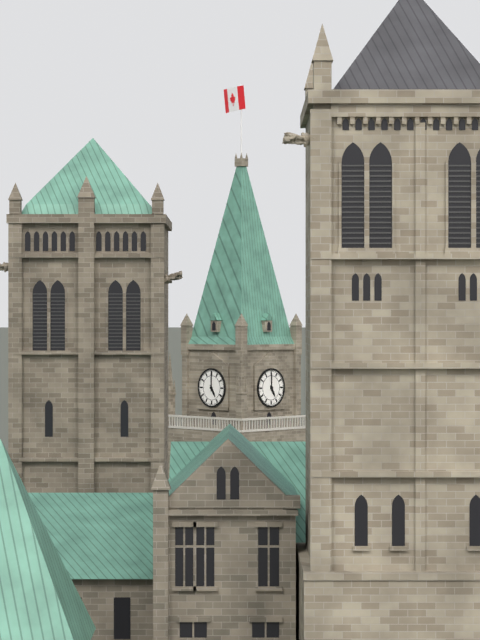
5:00
